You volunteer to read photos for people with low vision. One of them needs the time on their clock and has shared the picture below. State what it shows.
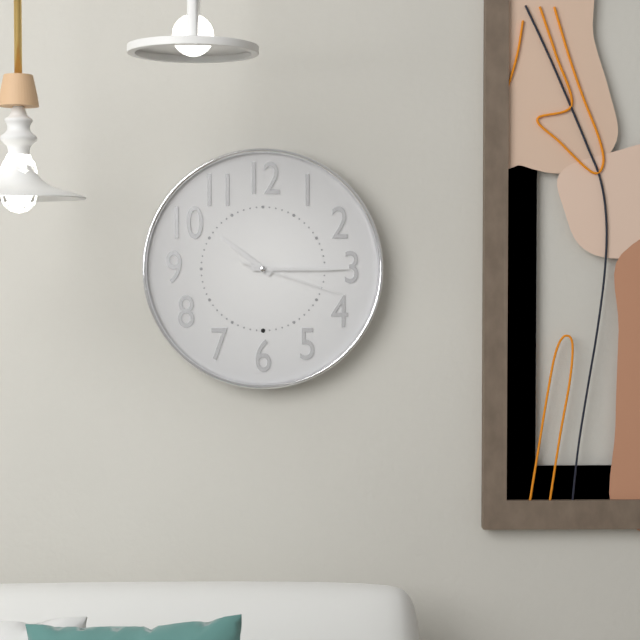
10:15:18
